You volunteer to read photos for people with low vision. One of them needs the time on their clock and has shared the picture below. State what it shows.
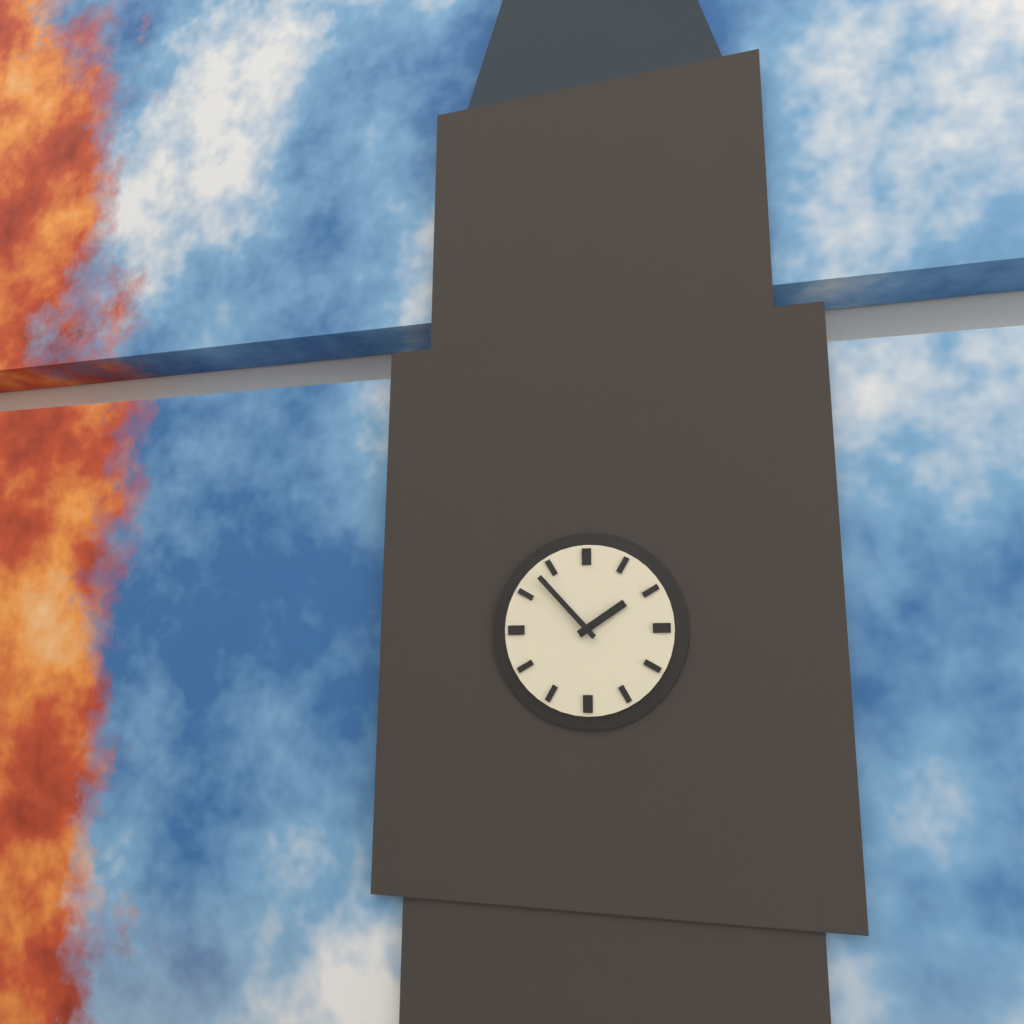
1:53
